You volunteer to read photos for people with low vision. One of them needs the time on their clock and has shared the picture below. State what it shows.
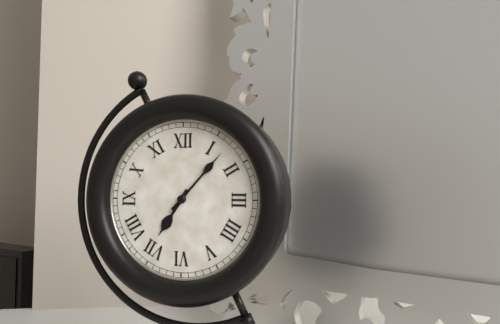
7:07
